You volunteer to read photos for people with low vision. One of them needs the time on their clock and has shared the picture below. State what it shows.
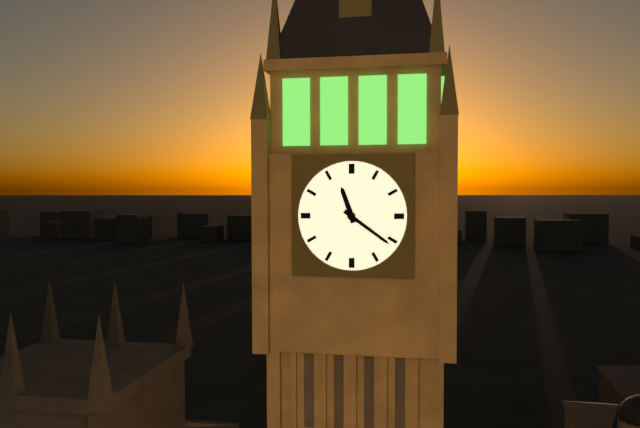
11:21
